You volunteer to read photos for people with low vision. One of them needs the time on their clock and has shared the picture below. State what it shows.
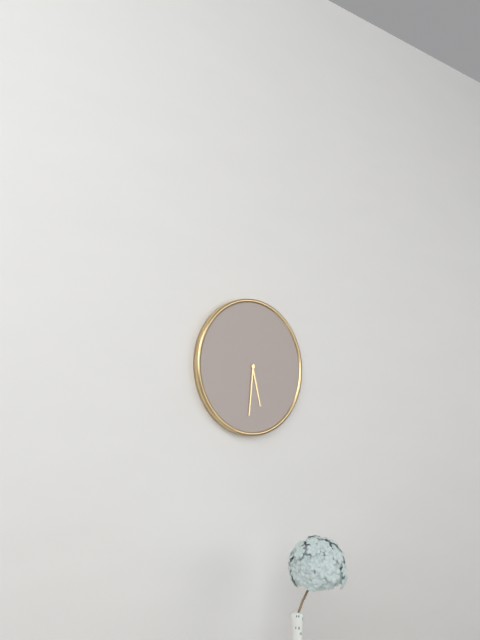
5:31
